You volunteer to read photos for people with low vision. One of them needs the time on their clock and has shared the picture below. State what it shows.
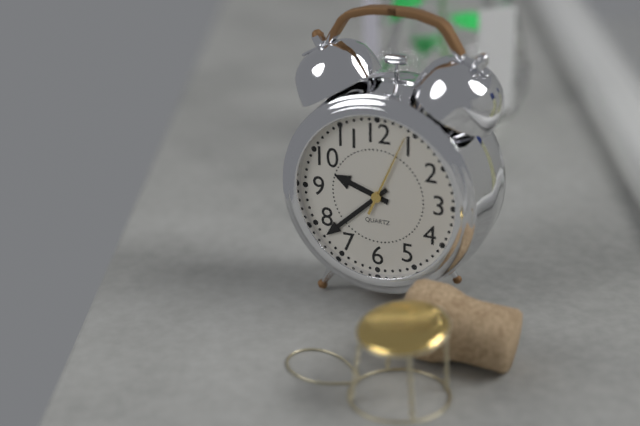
9:38:04
